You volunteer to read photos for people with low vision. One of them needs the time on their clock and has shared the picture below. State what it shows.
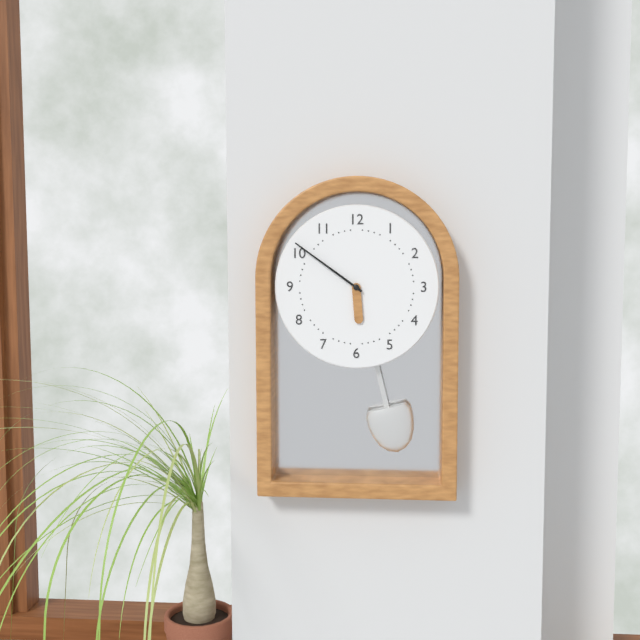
5:51
